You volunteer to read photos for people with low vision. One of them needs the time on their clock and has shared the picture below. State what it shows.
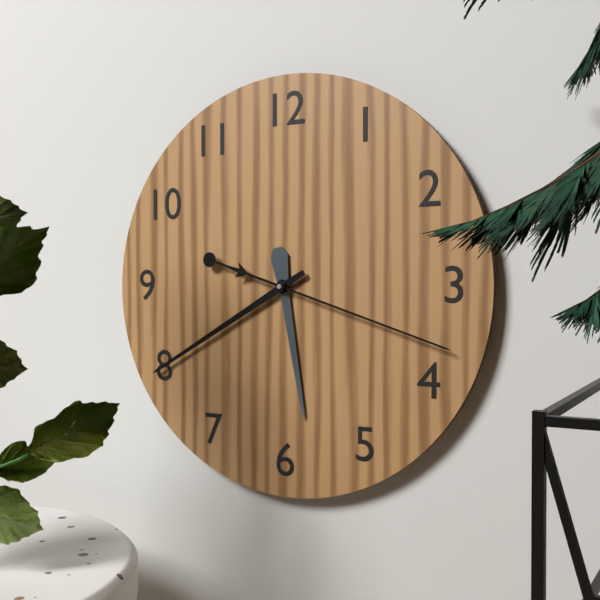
5:40:18
